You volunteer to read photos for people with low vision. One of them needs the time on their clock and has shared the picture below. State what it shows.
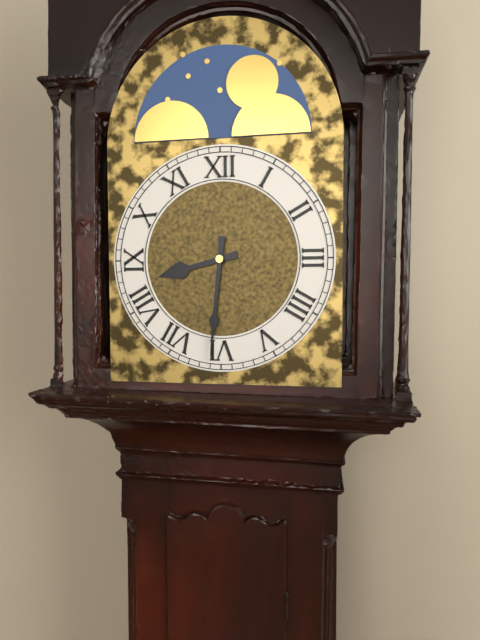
8:31
